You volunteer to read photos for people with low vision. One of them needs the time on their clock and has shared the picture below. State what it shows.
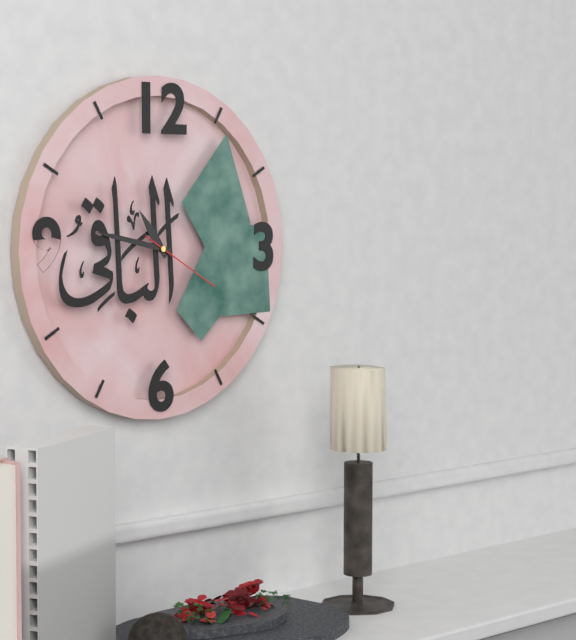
10:47:20
